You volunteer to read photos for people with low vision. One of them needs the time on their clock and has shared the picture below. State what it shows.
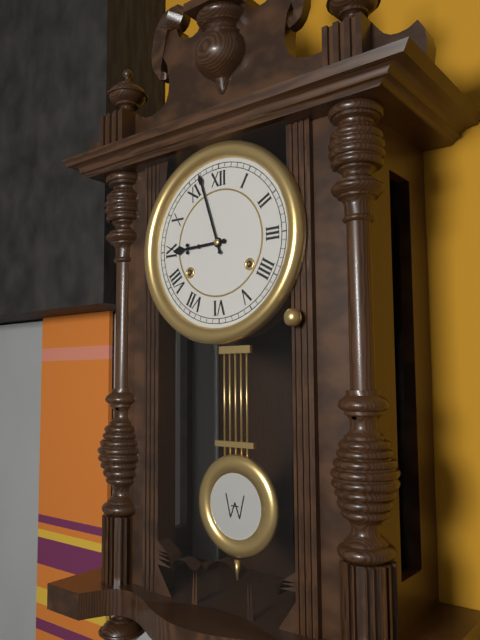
8:57
